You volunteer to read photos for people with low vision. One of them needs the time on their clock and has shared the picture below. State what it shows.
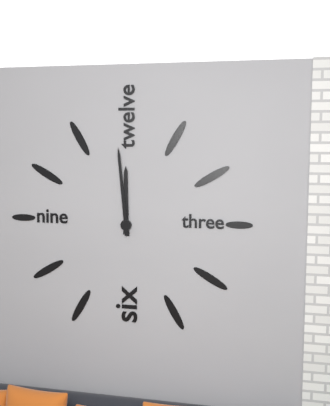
11:59
